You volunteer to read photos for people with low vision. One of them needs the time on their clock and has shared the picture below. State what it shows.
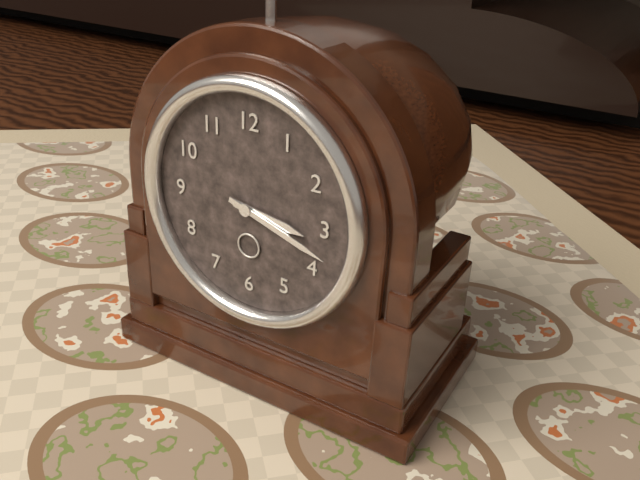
3:18
